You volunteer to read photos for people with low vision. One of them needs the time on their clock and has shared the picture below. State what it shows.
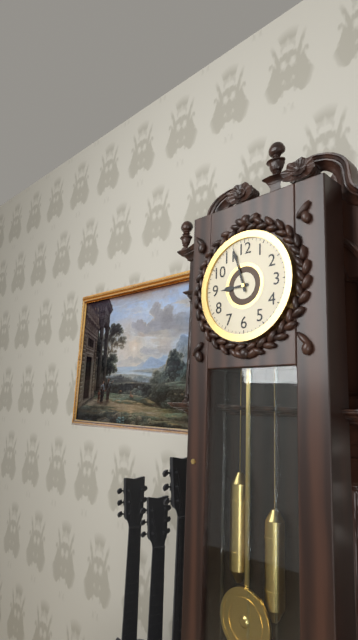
8:57
